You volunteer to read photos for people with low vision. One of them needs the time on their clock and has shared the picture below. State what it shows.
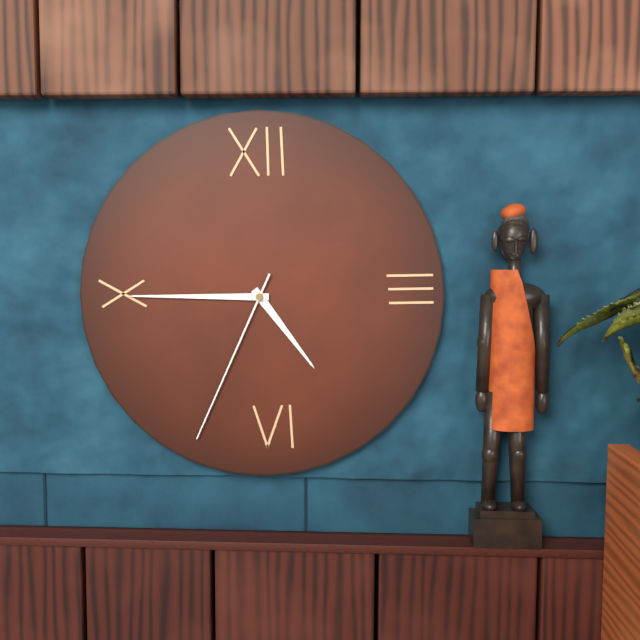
4:45:34
